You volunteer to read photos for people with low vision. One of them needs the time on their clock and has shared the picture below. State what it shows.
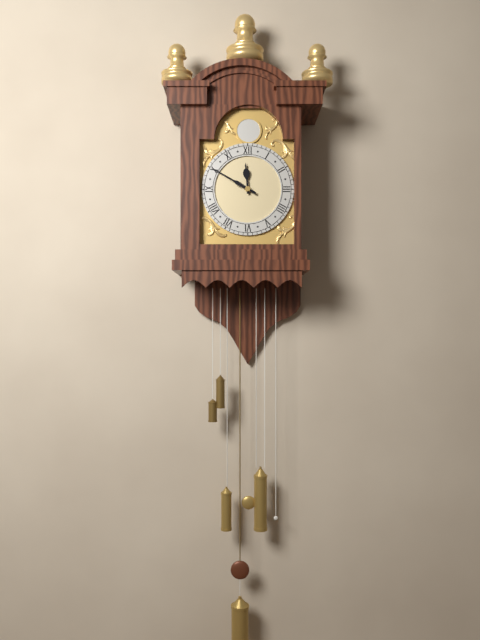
11:50
